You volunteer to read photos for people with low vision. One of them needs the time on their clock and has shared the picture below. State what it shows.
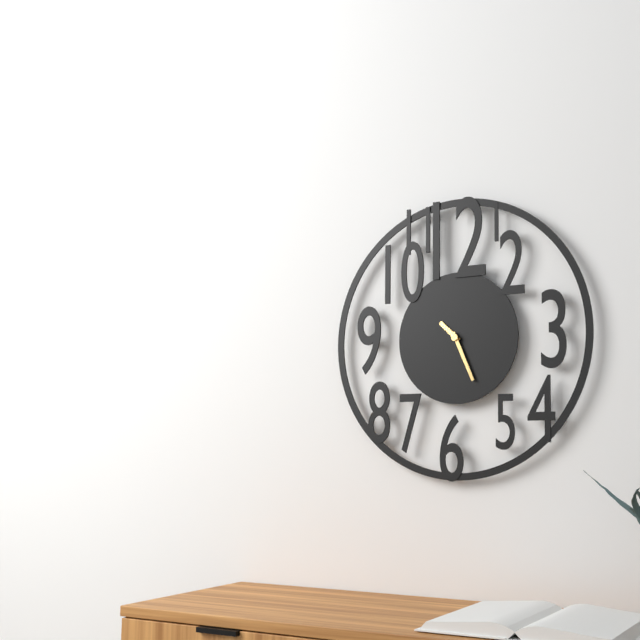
10:26
